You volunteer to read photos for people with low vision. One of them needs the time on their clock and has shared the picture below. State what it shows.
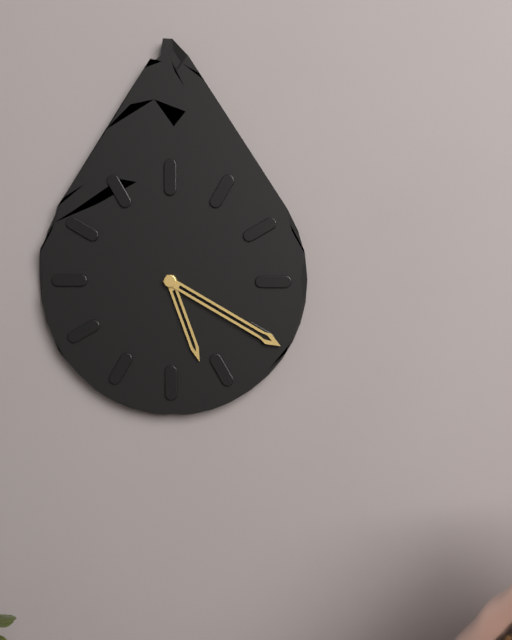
5:20
